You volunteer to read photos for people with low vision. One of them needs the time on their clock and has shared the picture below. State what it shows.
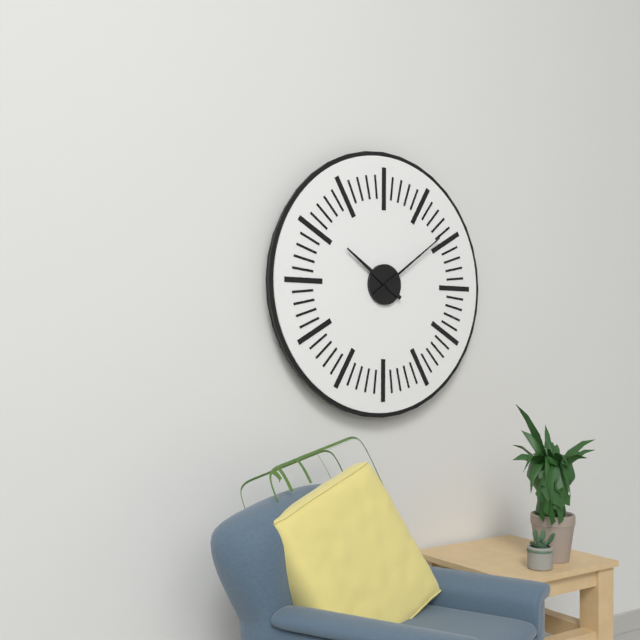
10:09
